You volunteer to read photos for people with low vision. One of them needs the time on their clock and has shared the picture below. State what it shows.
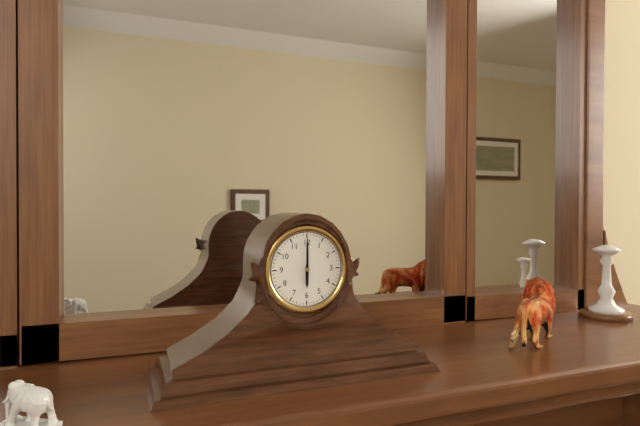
6:00
